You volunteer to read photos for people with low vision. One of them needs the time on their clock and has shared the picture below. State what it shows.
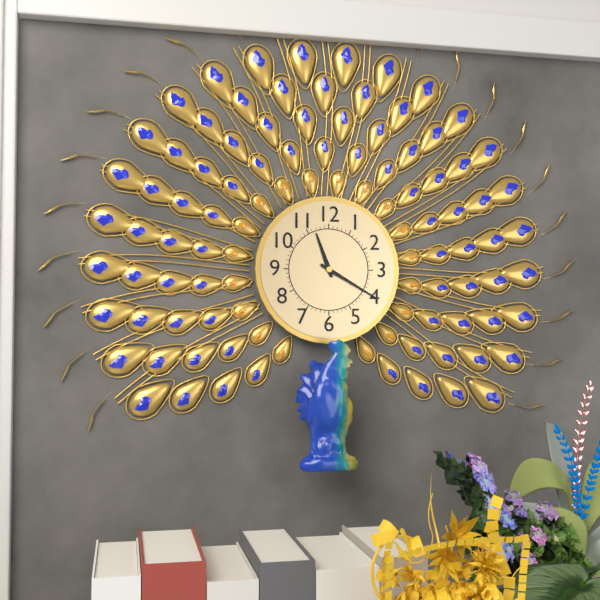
11:20
